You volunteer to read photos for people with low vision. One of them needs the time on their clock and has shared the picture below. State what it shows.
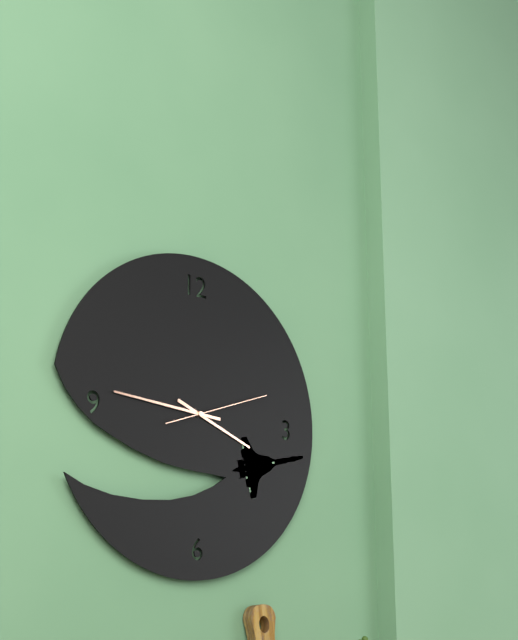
3:46:12
